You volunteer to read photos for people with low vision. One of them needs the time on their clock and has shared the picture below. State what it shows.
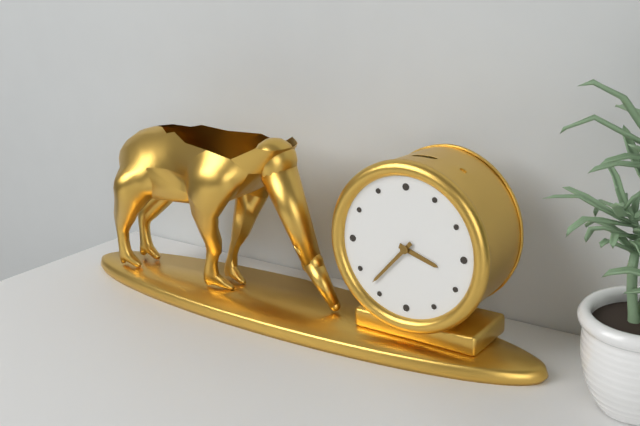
3:37
